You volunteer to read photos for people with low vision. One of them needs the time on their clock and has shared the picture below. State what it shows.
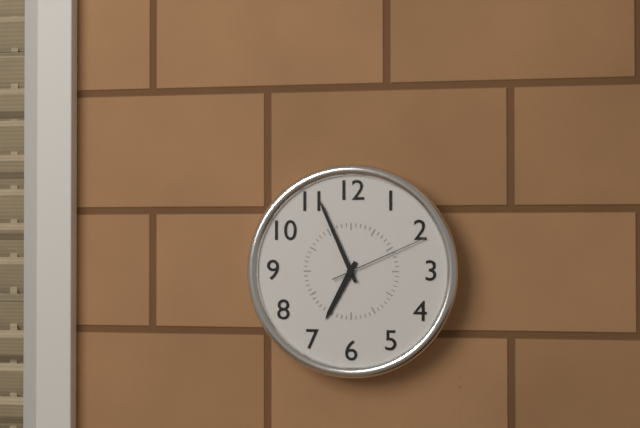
6:56:11
